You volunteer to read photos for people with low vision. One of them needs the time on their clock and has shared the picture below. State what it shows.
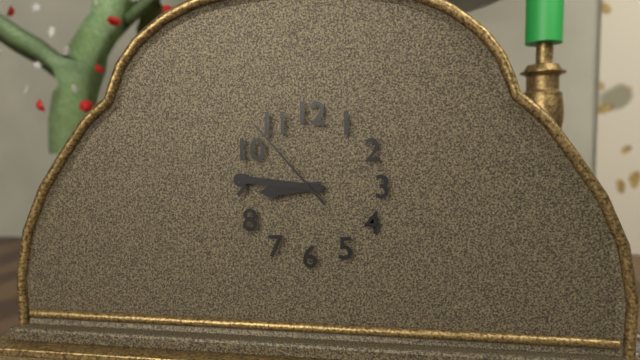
8:46:53
